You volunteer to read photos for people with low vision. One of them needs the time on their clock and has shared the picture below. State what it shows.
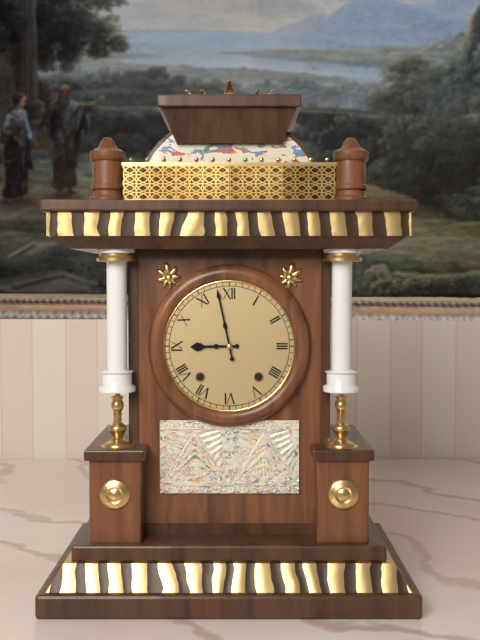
8:58
